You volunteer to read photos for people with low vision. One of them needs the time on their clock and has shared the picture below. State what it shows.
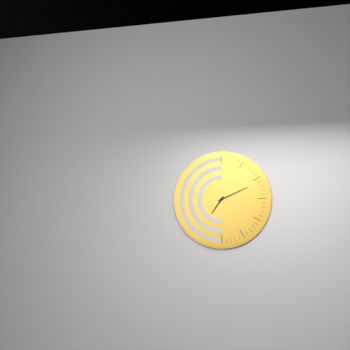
7:11
